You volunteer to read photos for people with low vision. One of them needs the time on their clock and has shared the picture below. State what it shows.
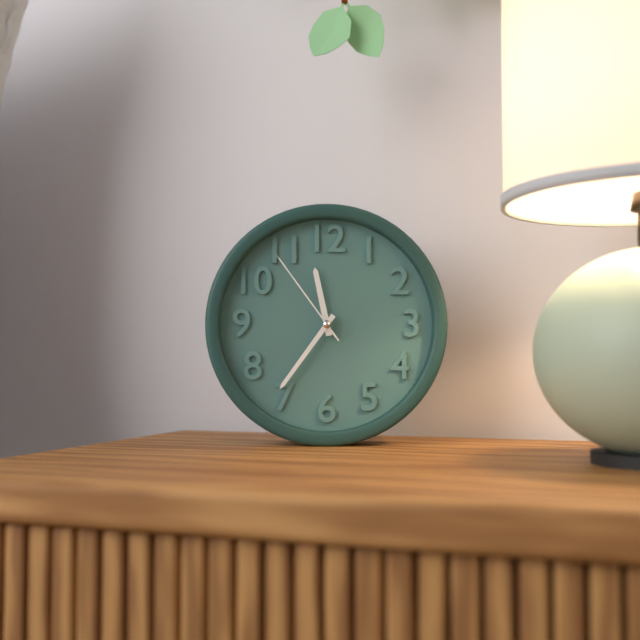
11:36:54
